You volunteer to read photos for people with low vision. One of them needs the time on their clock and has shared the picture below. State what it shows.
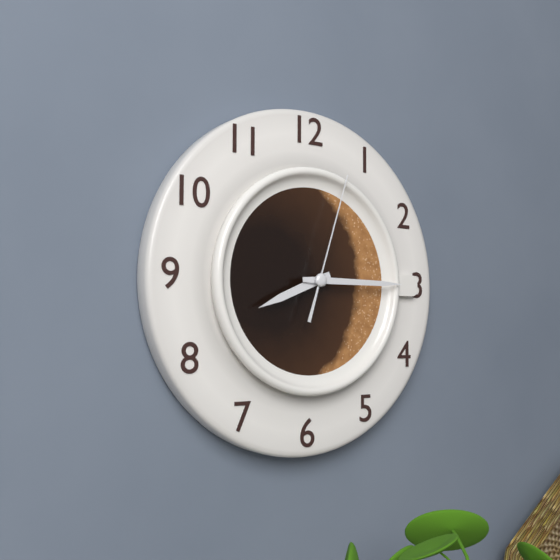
8:15:03
